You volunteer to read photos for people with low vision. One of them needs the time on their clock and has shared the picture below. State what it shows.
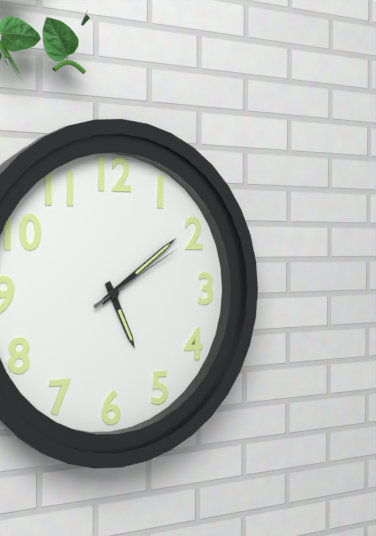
5:09:10
